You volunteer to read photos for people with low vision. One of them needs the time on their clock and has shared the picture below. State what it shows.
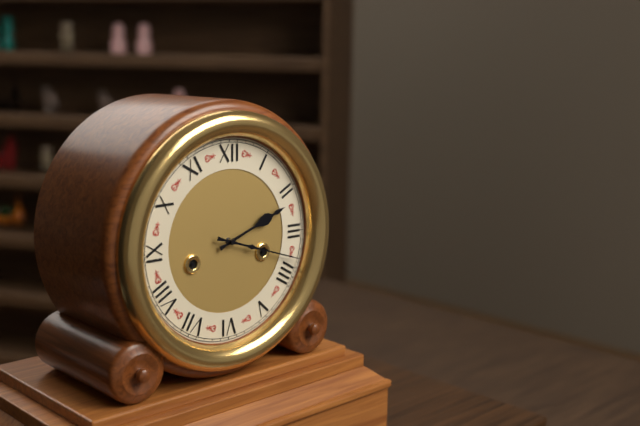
2:18
